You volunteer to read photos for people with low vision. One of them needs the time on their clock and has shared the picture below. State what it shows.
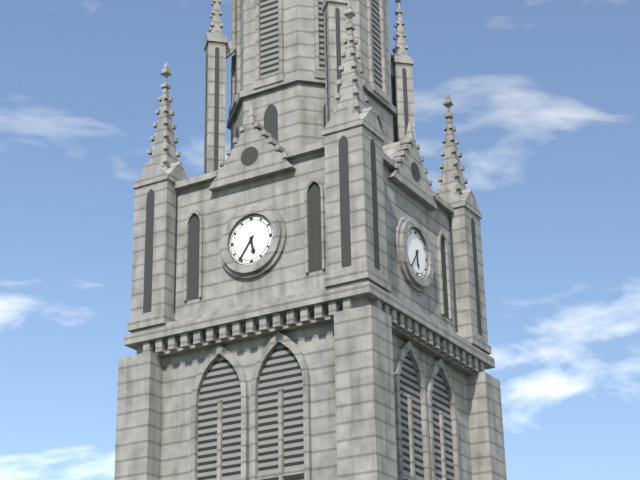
5:36
